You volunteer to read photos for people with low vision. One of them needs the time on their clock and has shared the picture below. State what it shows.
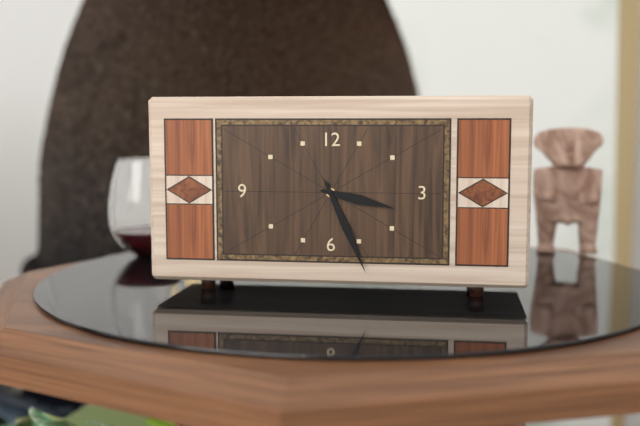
3:26
